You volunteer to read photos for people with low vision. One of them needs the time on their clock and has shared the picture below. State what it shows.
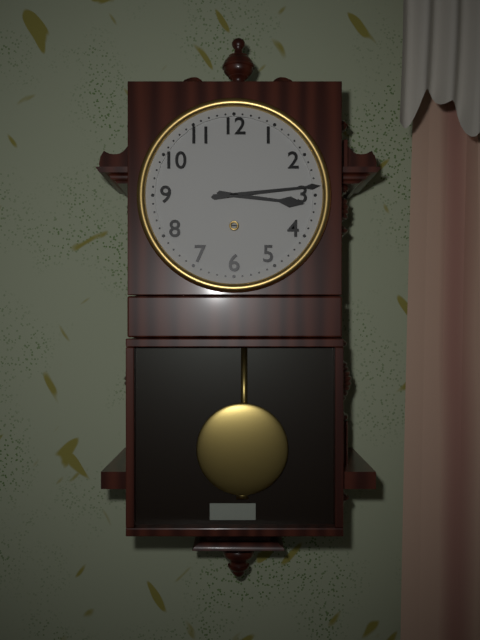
3:14
